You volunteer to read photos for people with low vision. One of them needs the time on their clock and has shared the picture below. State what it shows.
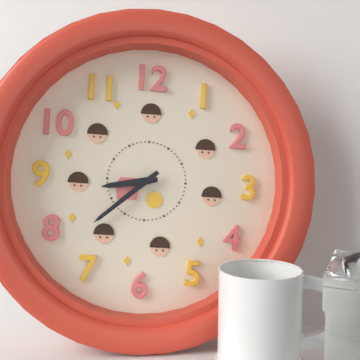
8:38
